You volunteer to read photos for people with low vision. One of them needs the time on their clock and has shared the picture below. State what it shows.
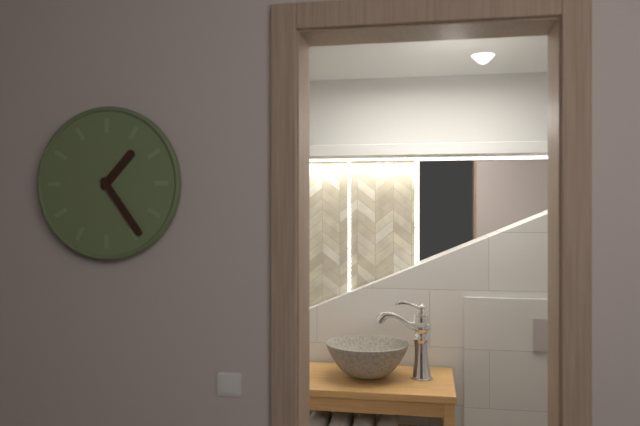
1:24
